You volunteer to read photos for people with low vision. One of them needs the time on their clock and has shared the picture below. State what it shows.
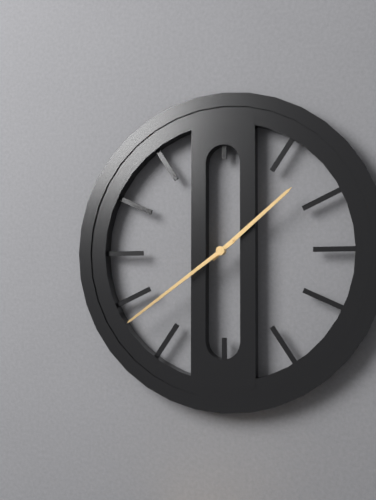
1:39
